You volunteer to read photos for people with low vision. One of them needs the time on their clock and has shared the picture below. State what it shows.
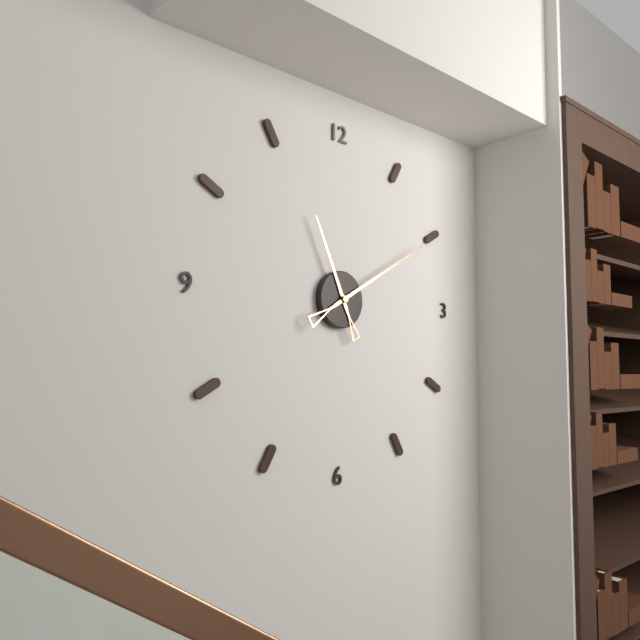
11:10
